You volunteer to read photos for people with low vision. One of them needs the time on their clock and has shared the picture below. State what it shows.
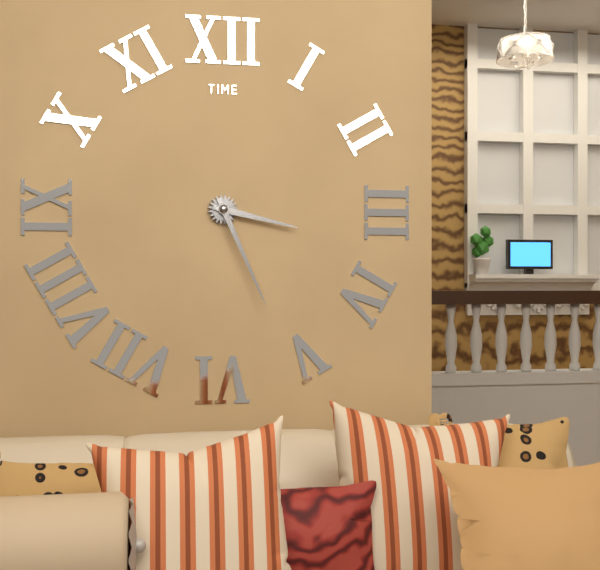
3:26
